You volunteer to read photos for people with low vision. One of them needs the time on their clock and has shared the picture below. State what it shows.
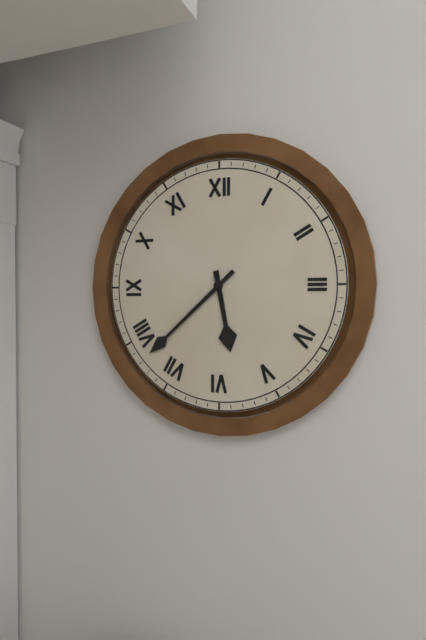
5:38
